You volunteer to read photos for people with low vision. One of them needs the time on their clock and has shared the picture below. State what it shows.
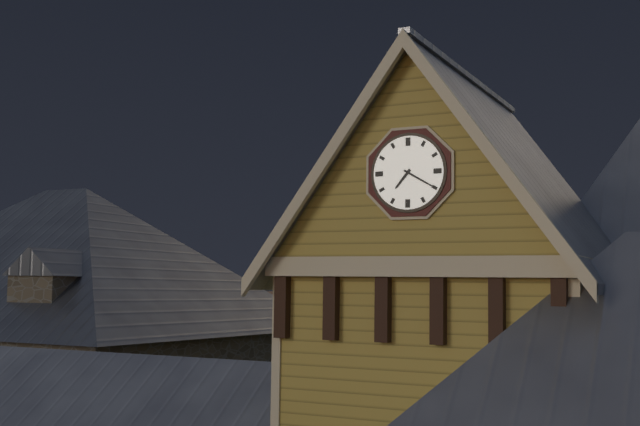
7:20
